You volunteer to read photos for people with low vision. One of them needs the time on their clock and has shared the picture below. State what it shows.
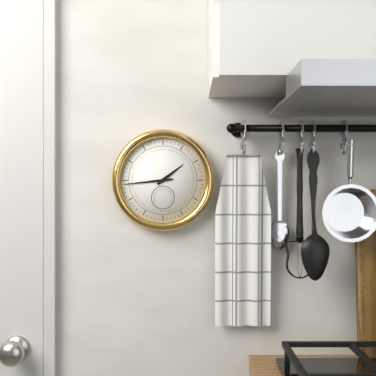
1:44
